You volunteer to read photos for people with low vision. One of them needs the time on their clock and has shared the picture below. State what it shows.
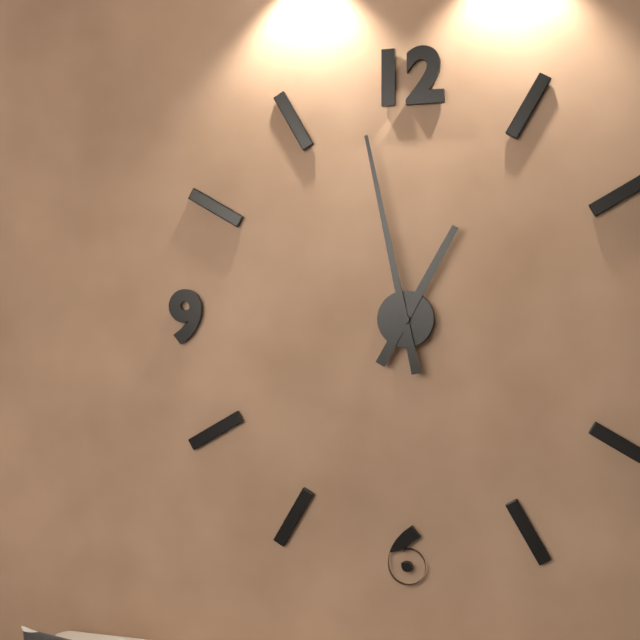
12:58
